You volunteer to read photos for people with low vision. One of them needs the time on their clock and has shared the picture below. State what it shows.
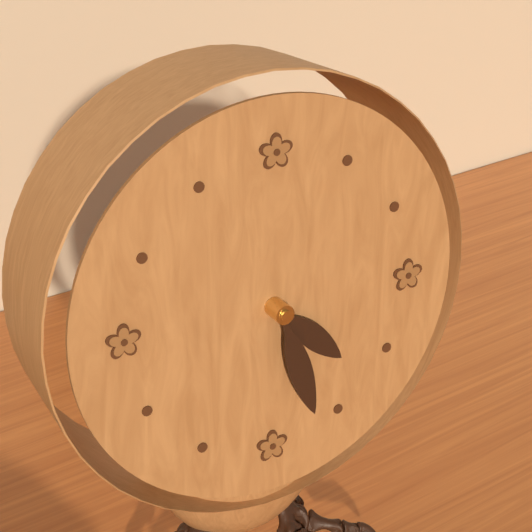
4:27
